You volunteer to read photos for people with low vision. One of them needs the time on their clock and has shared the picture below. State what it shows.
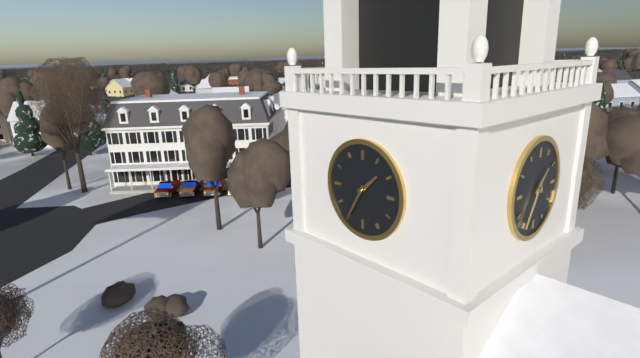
1:35
